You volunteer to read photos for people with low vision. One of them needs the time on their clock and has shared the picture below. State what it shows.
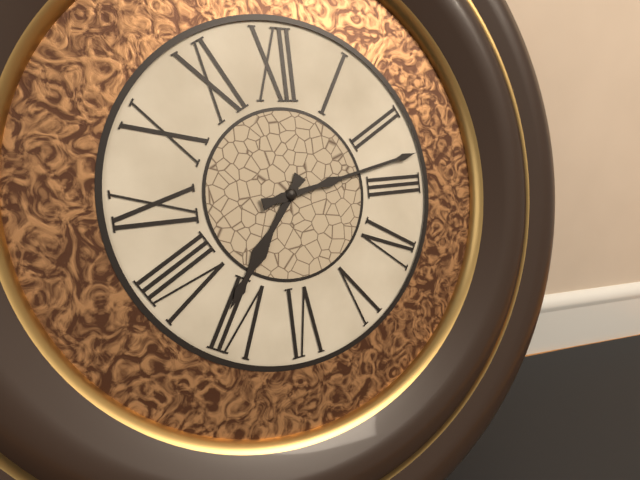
7:13
